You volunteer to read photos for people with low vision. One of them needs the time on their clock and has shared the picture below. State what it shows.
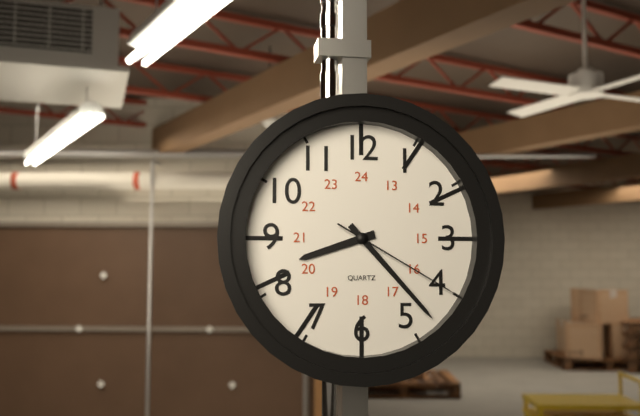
8:23:20
